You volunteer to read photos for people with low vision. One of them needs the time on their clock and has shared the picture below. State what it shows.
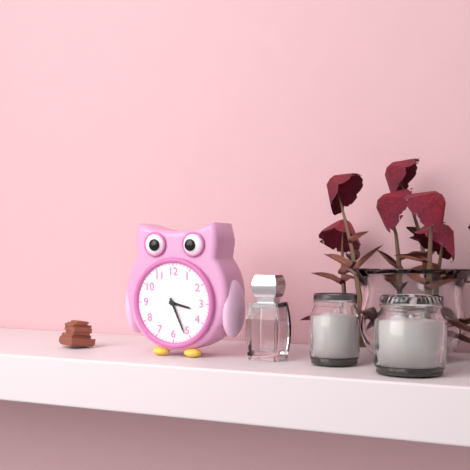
3:26
